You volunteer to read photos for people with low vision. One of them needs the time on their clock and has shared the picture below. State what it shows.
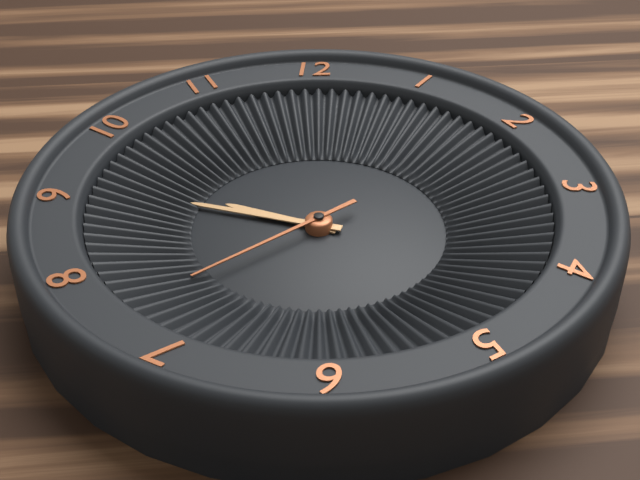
9:48:39
